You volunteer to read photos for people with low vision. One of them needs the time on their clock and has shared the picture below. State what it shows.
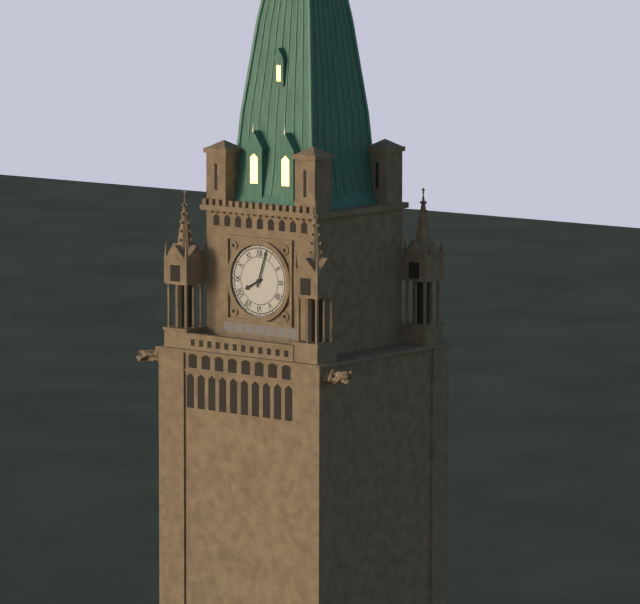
8:03
